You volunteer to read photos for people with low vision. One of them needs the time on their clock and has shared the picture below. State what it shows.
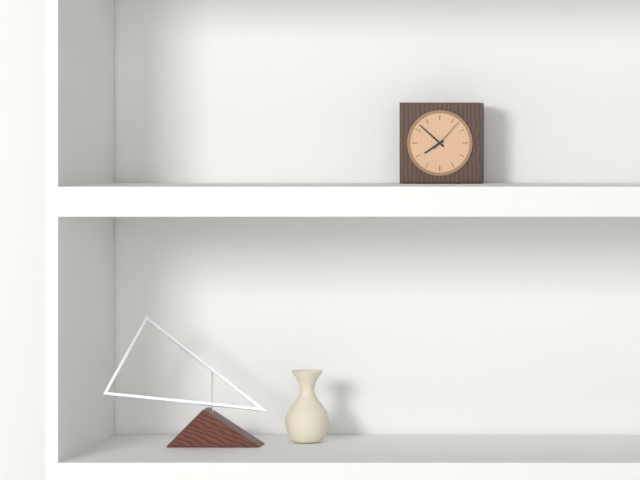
7:52
